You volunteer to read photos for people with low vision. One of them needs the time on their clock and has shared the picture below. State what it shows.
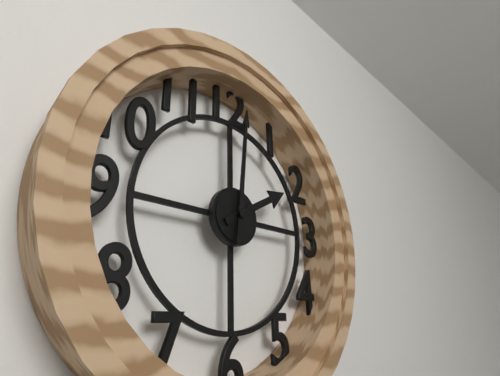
2:01
